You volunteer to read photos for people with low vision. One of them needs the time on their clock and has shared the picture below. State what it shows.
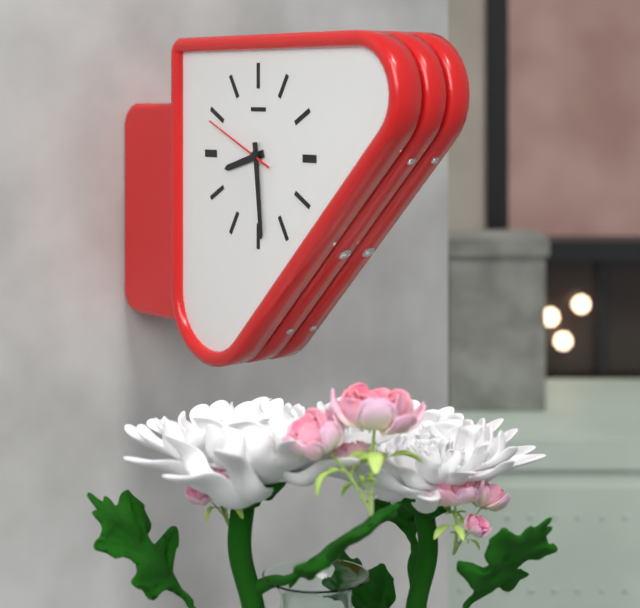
8:29:49
